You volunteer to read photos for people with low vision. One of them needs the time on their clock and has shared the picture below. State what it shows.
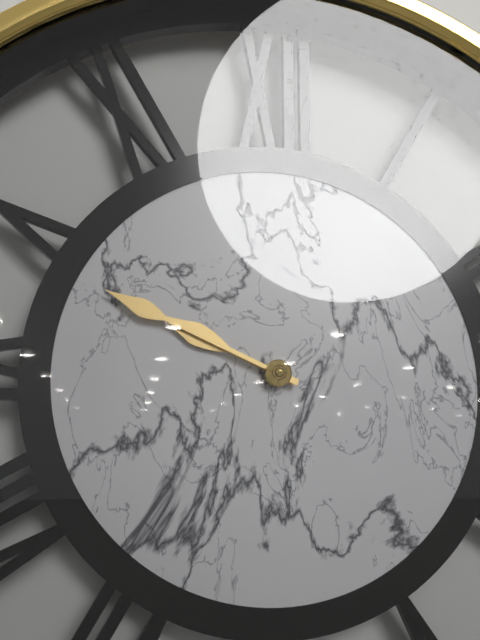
9:49
